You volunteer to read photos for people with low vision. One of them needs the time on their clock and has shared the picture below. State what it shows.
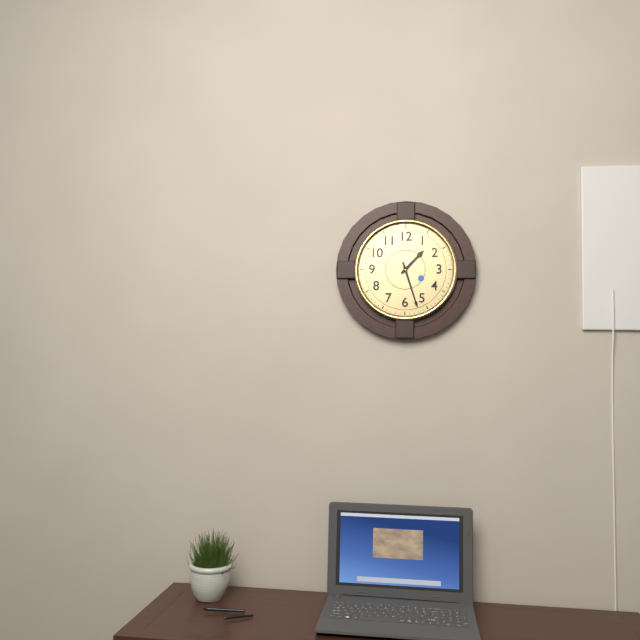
1:27
